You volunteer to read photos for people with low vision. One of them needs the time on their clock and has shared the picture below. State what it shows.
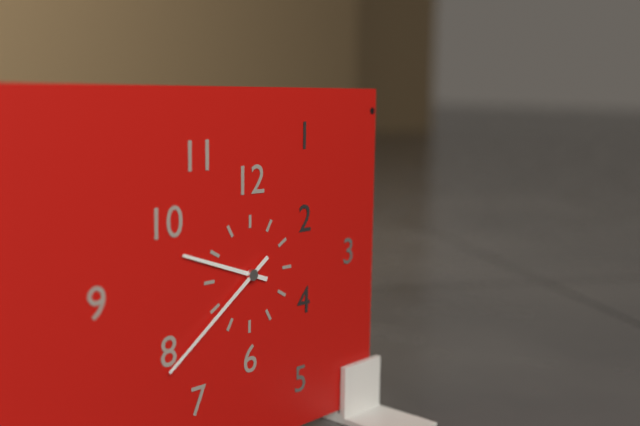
9:39
